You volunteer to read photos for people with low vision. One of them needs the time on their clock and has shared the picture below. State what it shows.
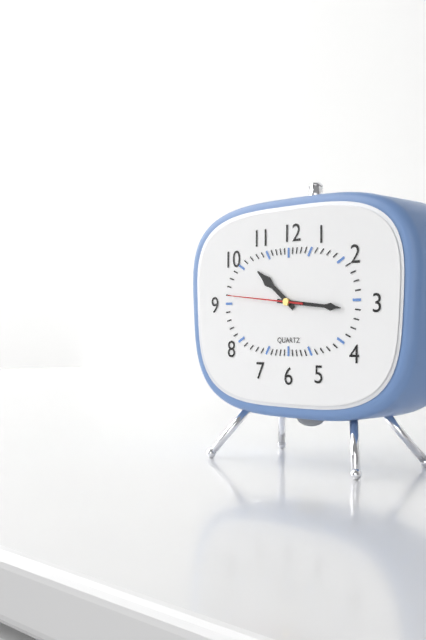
10:16:46
